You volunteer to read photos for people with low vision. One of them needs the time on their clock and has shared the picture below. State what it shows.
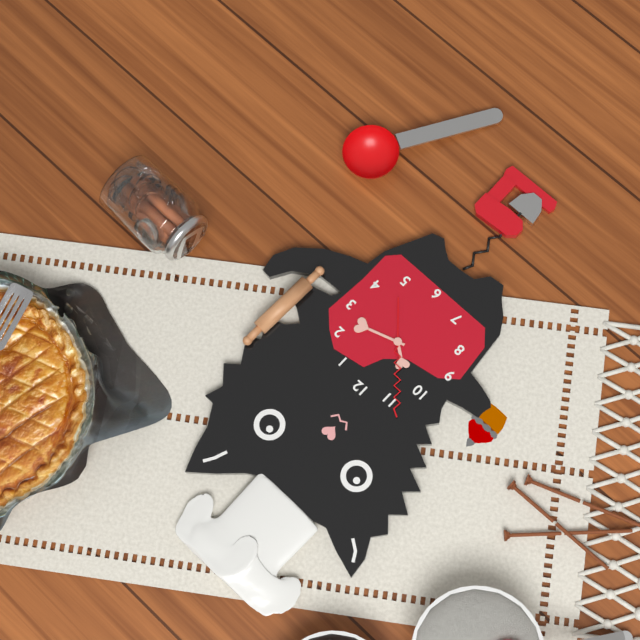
10:12:53
